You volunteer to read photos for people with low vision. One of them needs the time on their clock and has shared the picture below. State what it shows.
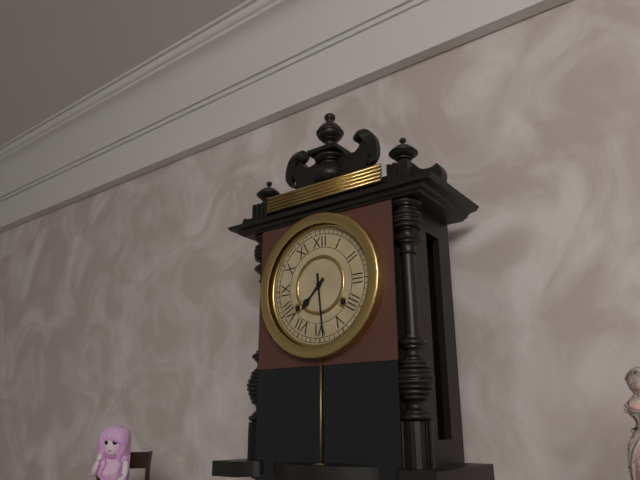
7:29
